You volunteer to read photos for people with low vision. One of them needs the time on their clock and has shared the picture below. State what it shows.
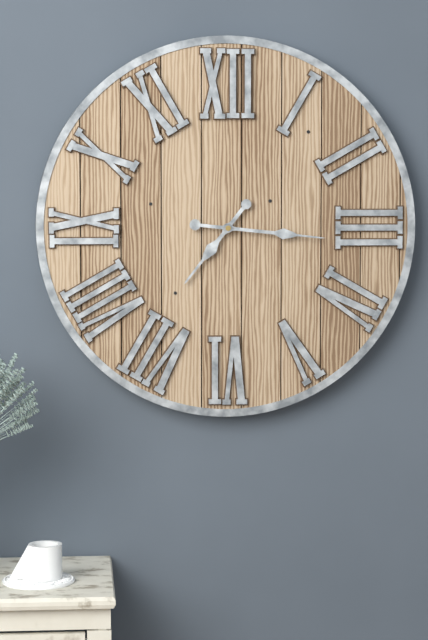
7:16
